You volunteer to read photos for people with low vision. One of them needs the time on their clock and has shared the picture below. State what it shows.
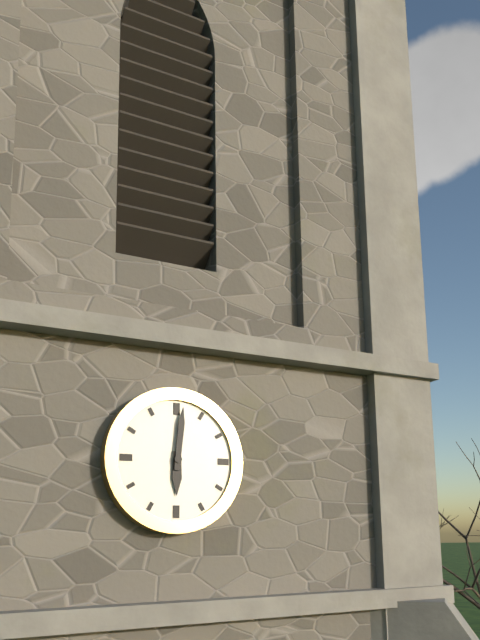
6:01
